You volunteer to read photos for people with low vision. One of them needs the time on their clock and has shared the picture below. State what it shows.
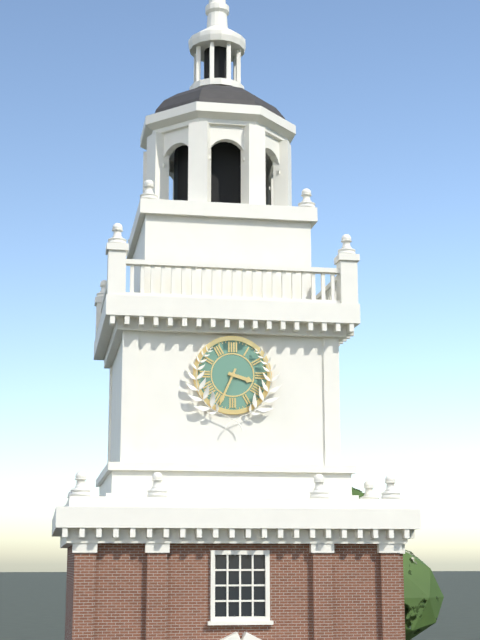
3:34
